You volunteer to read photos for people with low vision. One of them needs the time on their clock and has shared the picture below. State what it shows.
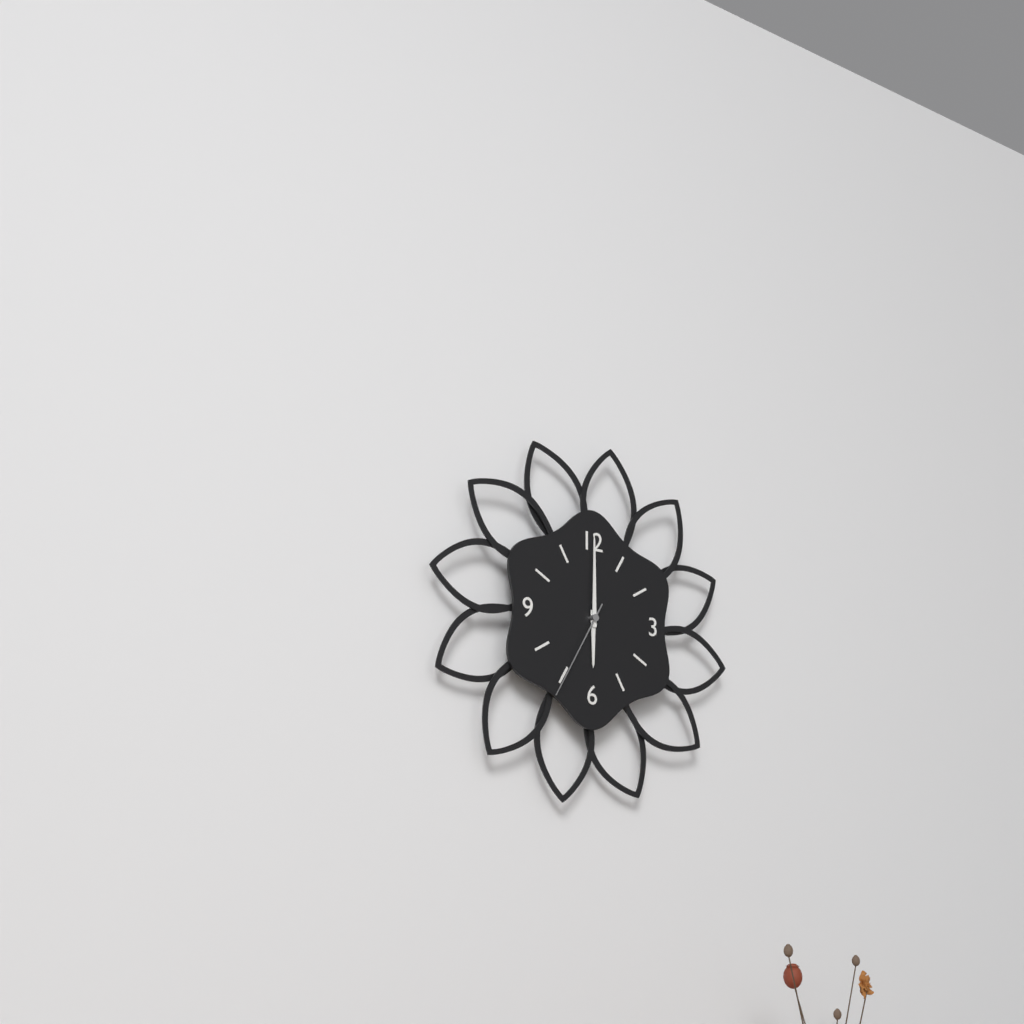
6:00:35
